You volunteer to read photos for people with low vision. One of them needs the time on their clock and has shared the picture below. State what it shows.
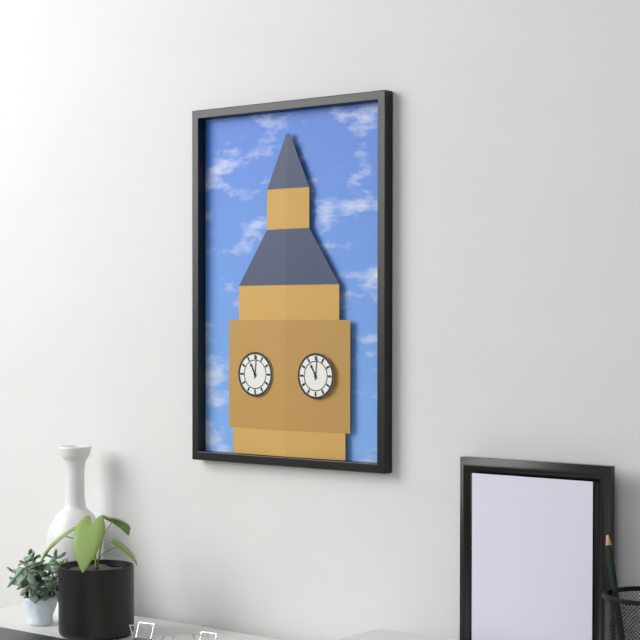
11:01
